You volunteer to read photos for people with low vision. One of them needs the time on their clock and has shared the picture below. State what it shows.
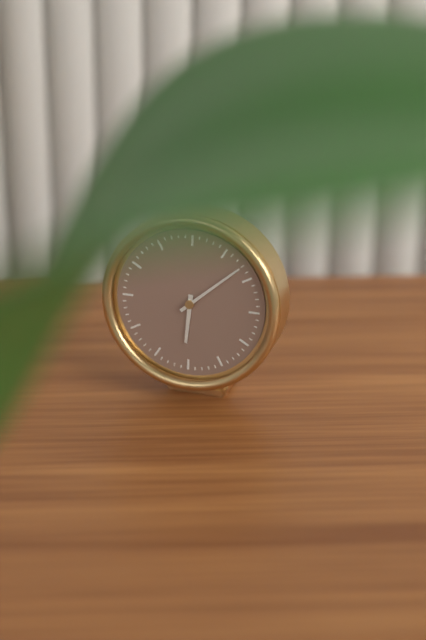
6:08
